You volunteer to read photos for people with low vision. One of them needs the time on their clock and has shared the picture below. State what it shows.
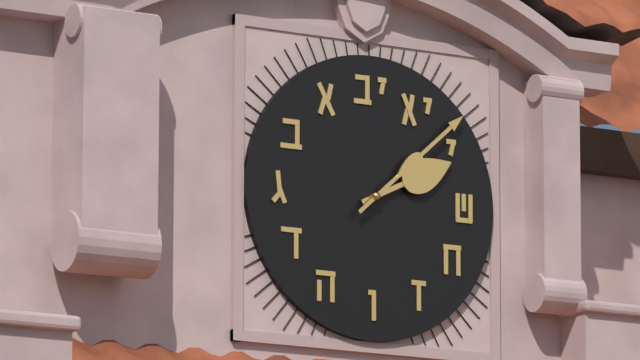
2:08
